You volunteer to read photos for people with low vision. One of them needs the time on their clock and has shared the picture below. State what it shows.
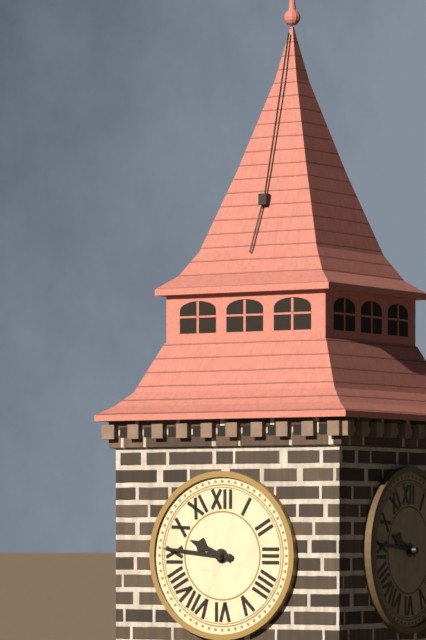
9:46
